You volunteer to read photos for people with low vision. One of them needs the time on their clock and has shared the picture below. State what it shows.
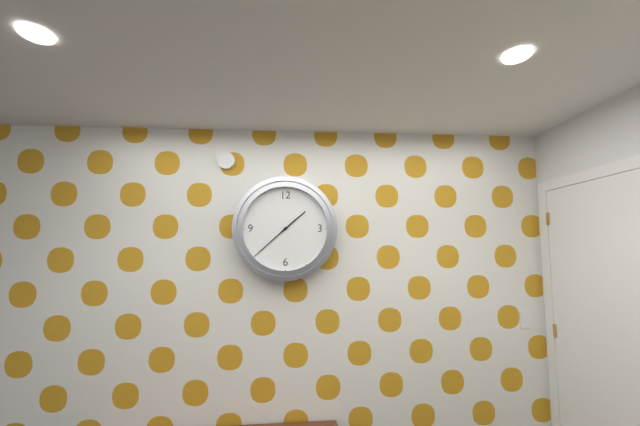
1:38
